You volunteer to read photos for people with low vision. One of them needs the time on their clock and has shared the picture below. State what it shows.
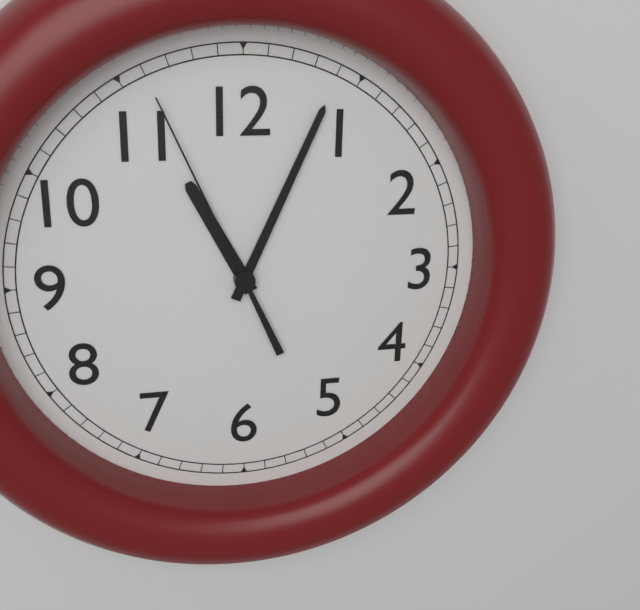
11:04:56
